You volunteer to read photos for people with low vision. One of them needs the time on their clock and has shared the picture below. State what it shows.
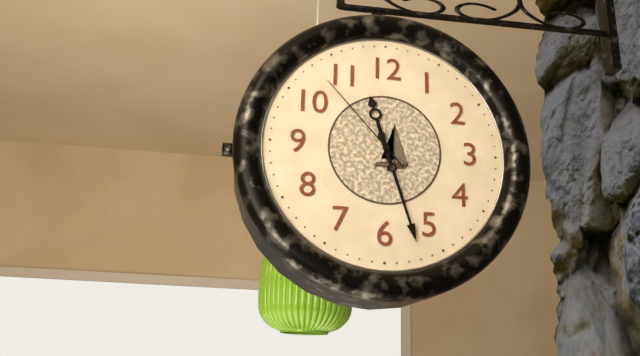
11:27:53
